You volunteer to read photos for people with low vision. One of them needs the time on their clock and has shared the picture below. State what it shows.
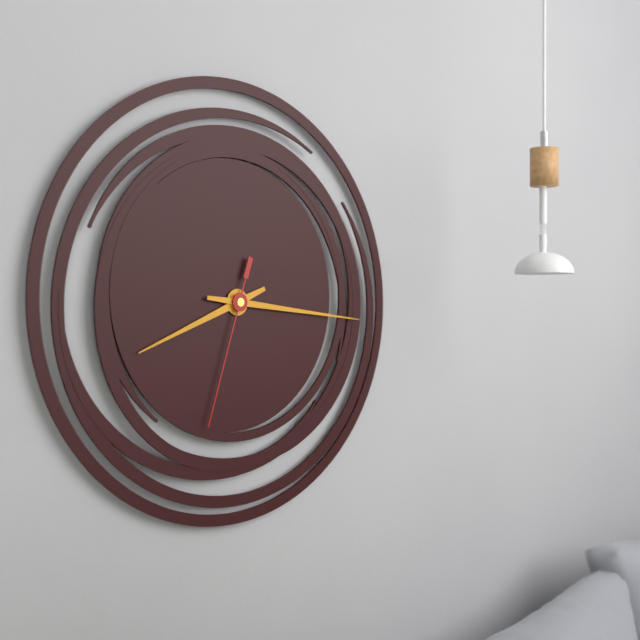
8:16:33
